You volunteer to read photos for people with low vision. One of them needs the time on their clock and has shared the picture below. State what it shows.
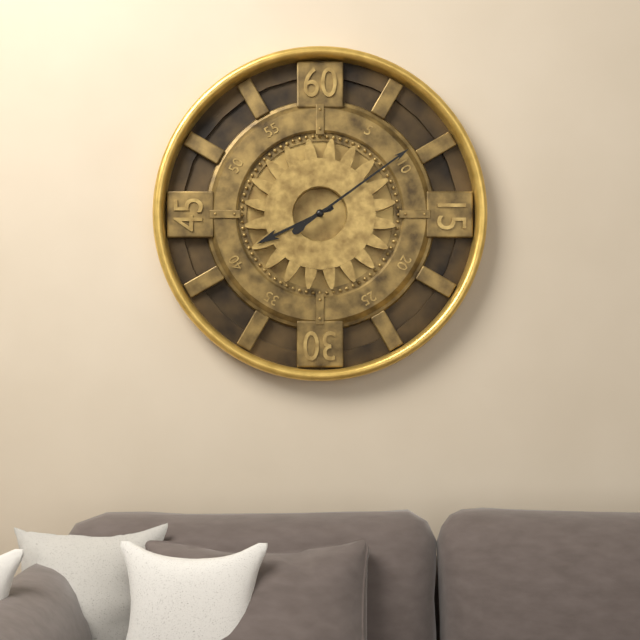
8:09
